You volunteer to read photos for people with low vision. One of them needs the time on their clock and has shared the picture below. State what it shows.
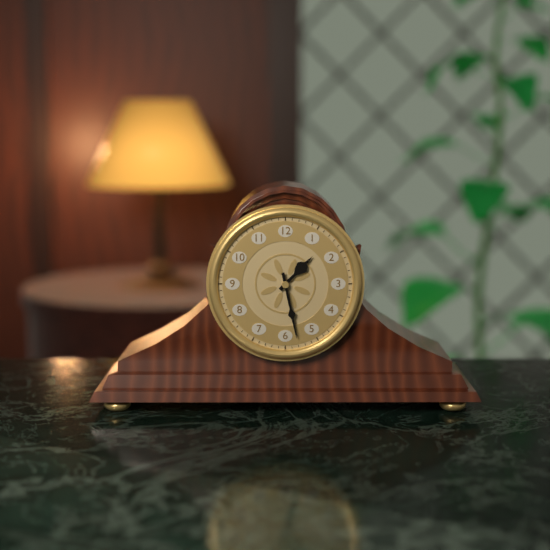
1:28
